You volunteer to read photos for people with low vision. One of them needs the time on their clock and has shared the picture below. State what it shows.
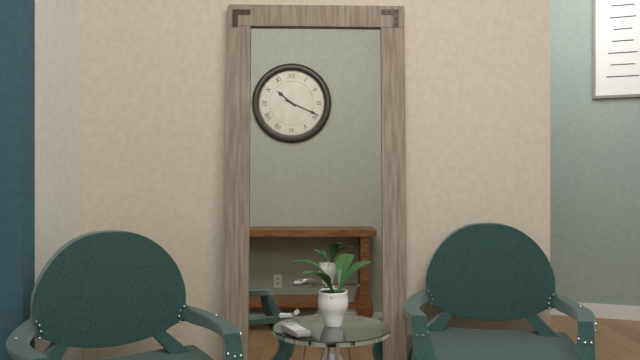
10:19
